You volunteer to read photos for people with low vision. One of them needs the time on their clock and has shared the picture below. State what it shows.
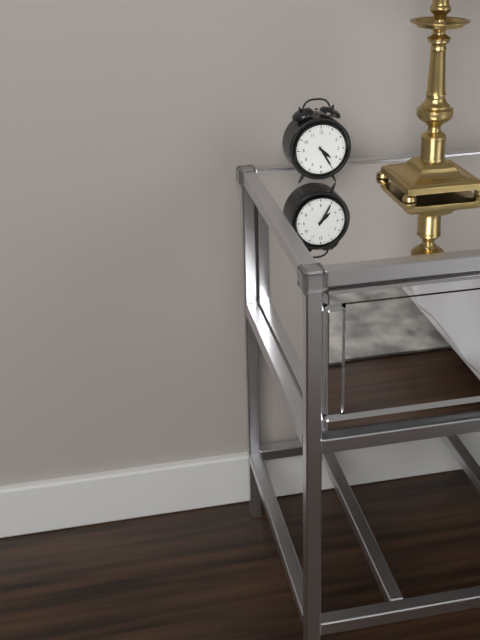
4:25
